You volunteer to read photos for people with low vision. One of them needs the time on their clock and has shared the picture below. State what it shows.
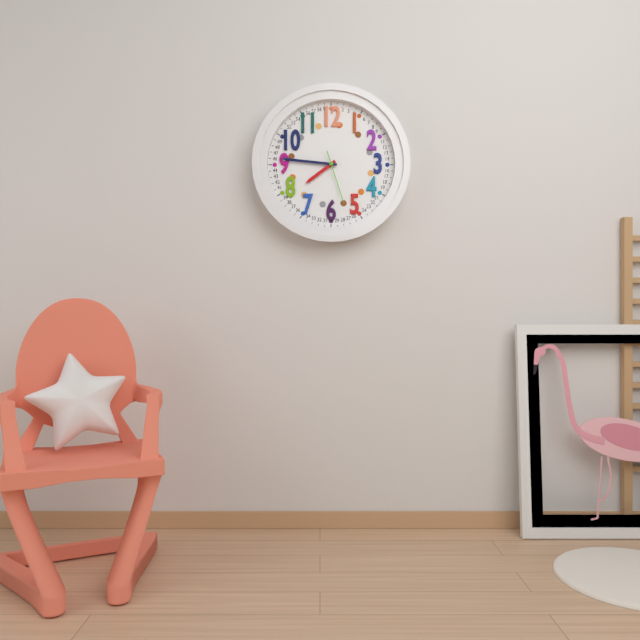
7:46:27
